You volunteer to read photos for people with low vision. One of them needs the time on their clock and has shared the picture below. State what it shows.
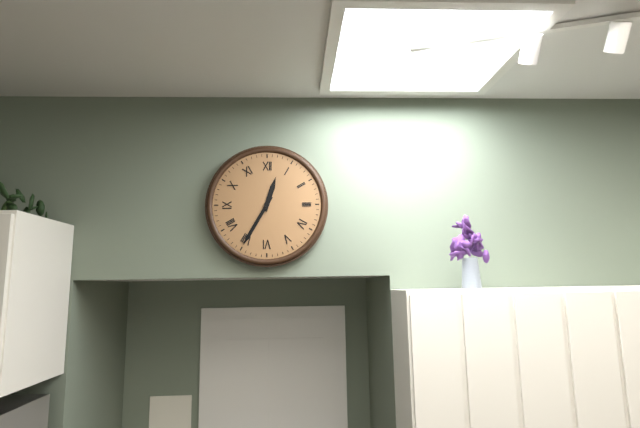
12:35
